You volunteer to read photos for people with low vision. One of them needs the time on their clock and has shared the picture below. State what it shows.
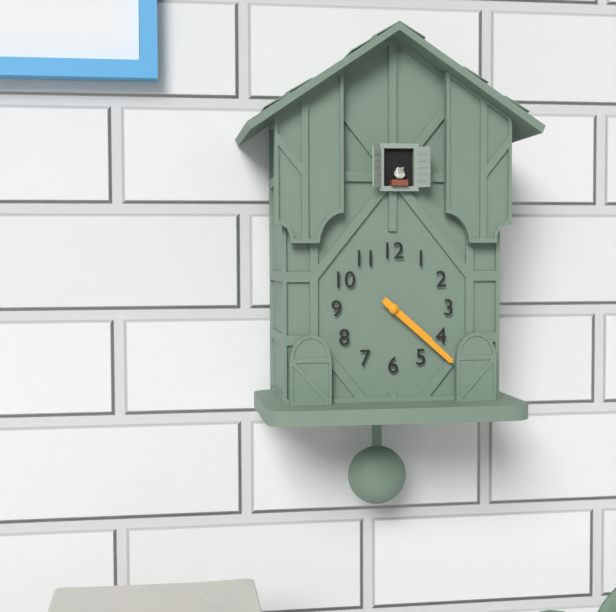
4:22
